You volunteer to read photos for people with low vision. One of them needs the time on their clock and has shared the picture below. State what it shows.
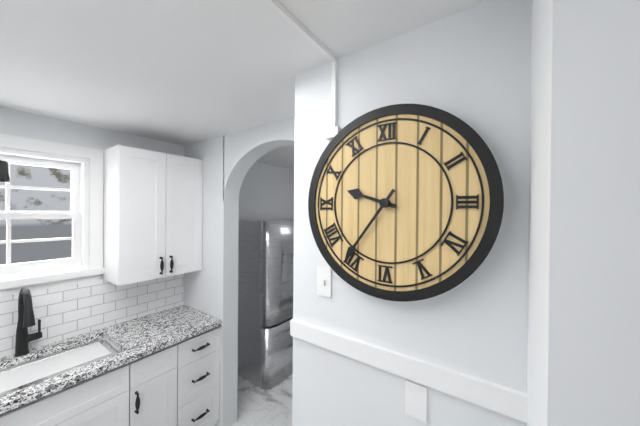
9:36
